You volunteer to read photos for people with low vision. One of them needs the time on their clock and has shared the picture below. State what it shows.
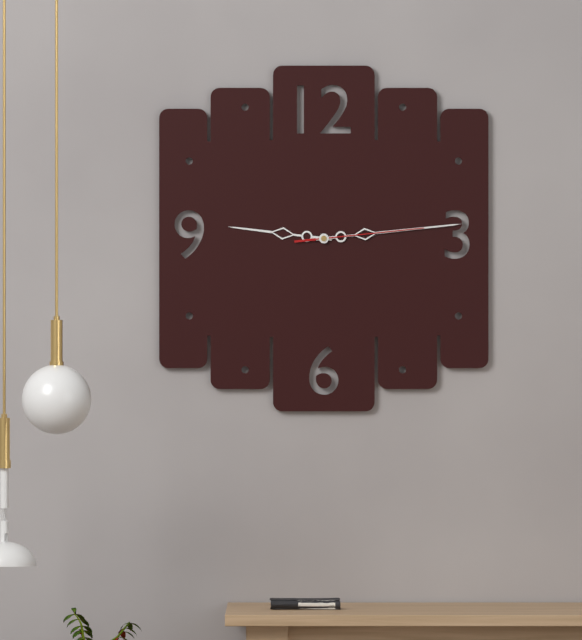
9:14:14
